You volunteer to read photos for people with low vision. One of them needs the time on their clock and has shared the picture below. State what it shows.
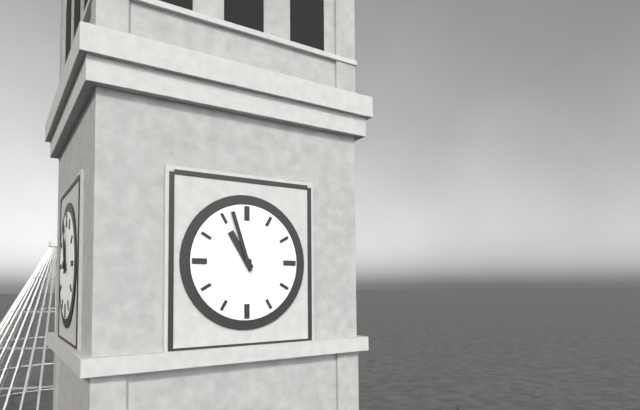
10:57
